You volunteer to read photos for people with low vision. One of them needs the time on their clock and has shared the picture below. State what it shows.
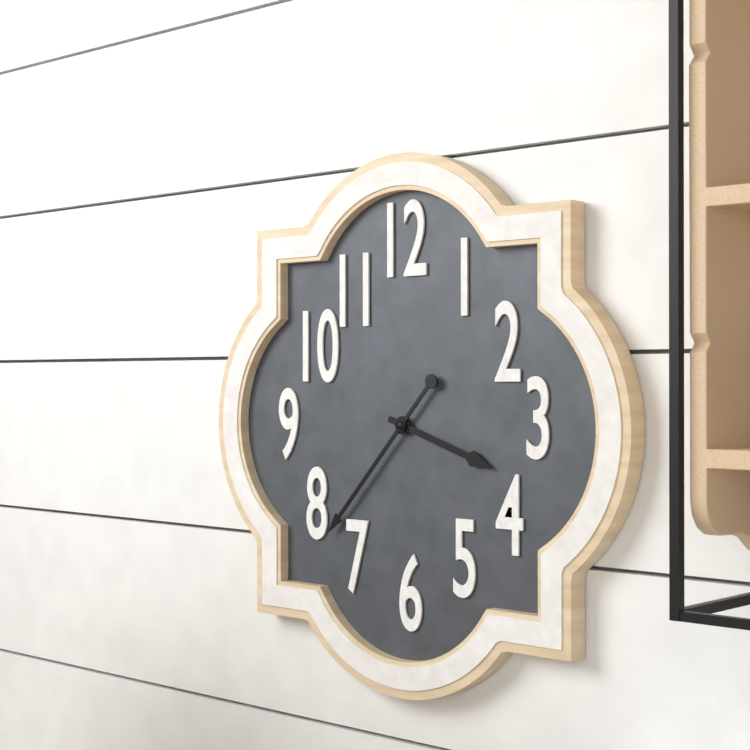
3:37
